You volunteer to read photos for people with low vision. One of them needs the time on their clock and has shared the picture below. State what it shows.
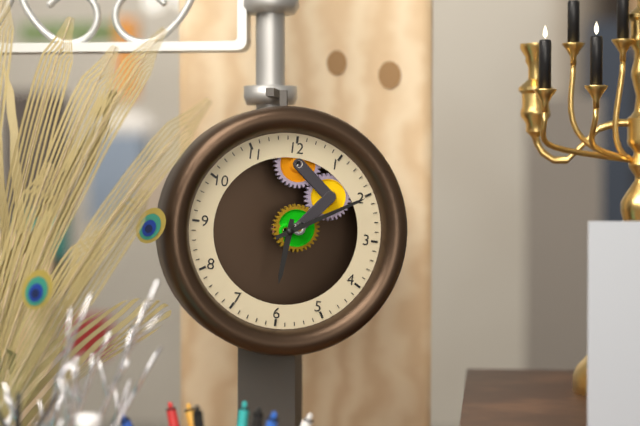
6:10
